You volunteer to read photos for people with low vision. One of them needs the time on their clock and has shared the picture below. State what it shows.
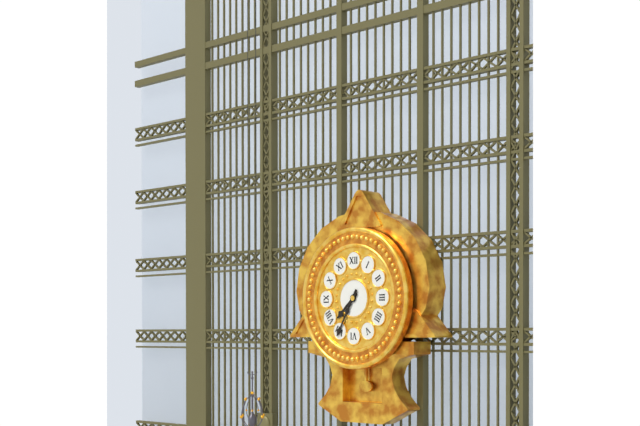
7:35
